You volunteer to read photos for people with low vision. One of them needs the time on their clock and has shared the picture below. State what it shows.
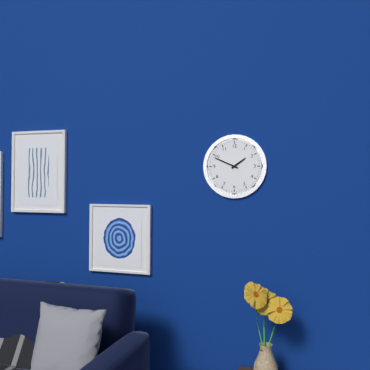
1:49
